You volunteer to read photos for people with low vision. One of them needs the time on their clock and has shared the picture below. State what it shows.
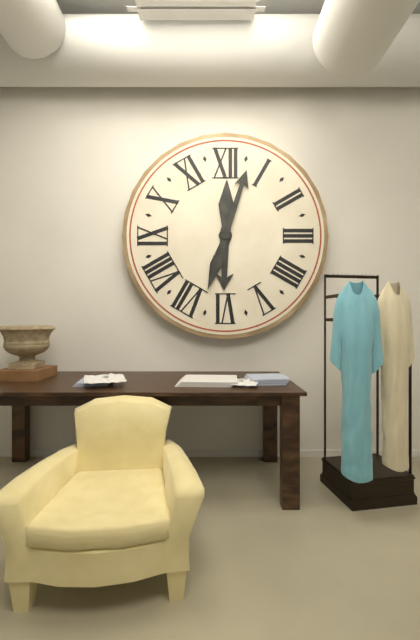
6:03
